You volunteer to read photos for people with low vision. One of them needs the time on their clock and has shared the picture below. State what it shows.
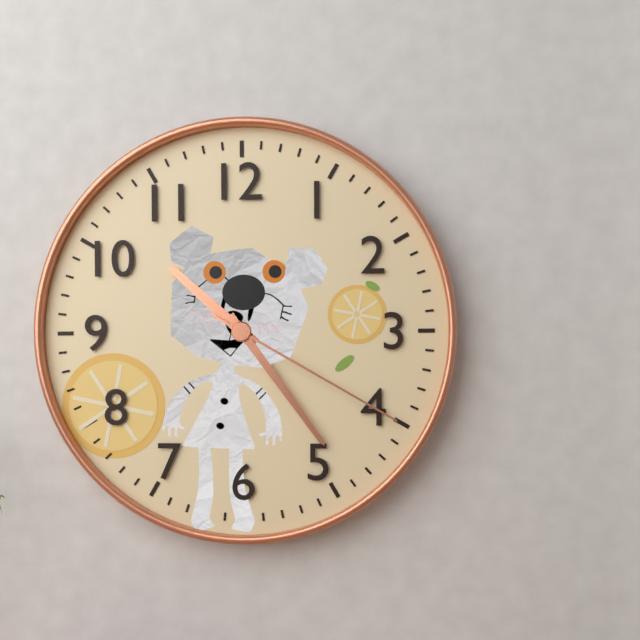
10:24:20
